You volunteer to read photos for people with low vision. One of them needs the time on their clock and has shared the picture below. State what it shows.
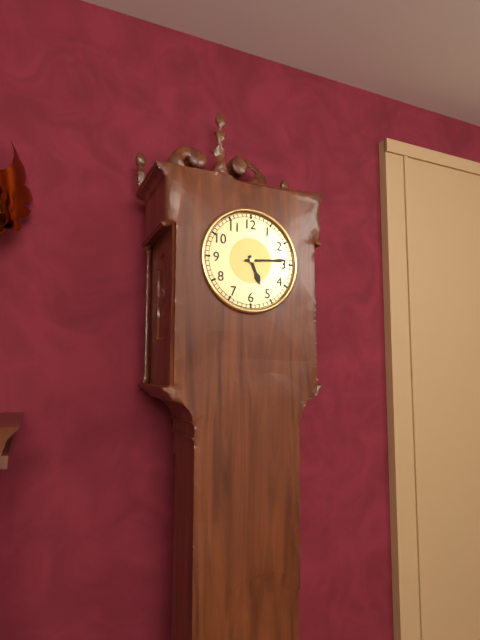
5:14
